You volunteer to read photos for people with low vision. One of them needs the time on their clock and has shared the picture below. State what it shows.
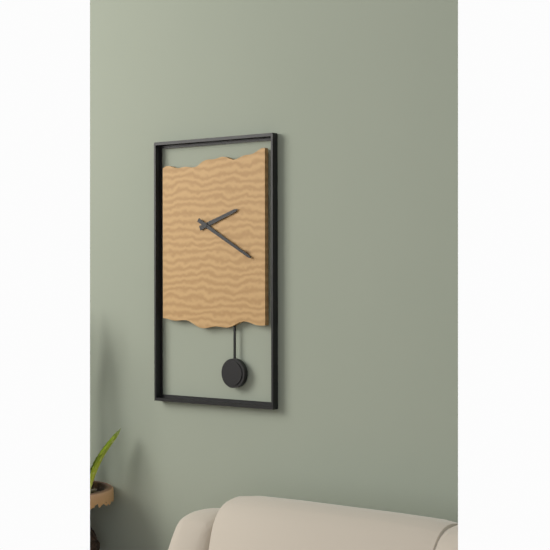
2:20
